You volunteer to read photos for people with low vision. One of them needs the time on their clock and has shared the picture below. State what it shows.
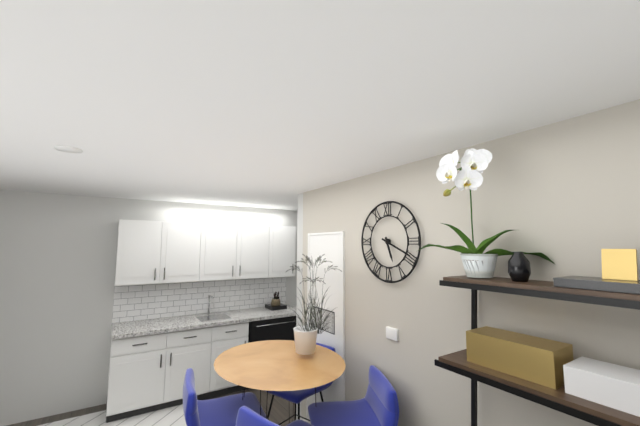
5:19
